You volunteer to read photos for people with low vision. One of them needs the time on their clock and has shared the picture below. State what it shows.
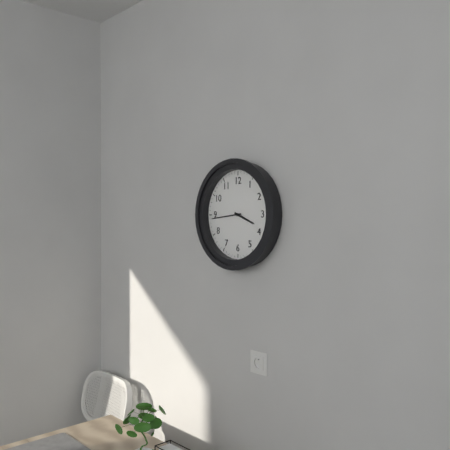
3:44
